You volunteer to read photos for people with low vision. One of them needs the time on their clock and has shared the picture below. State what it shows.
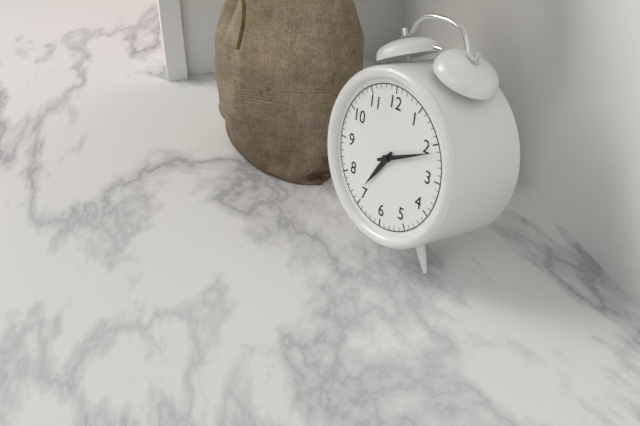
7:11
